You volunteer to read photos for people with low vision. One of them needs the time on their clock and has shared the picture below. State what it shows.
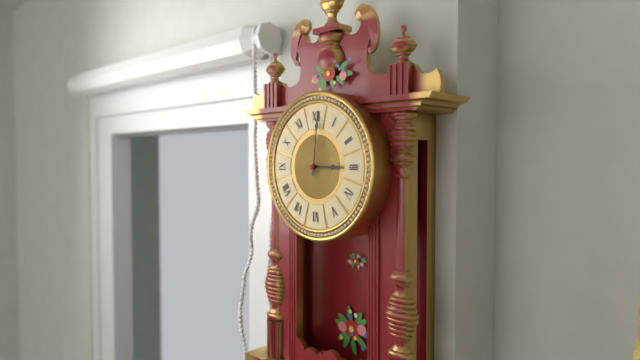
3:01
